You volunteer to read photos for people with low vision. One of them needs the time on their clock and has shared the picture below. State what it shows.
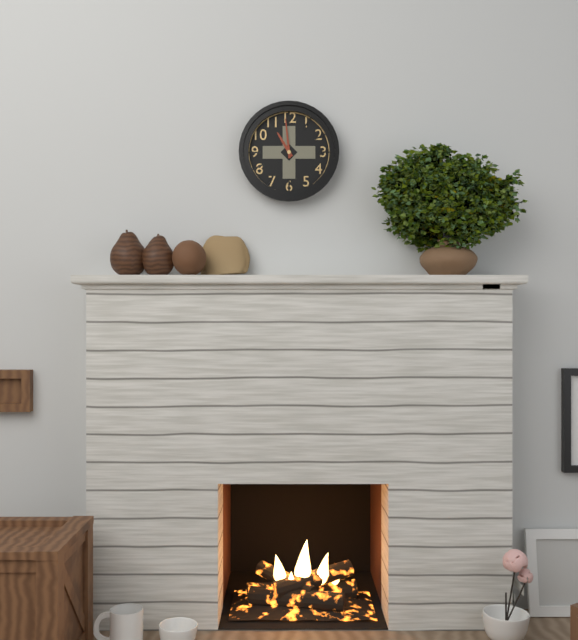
10:59
